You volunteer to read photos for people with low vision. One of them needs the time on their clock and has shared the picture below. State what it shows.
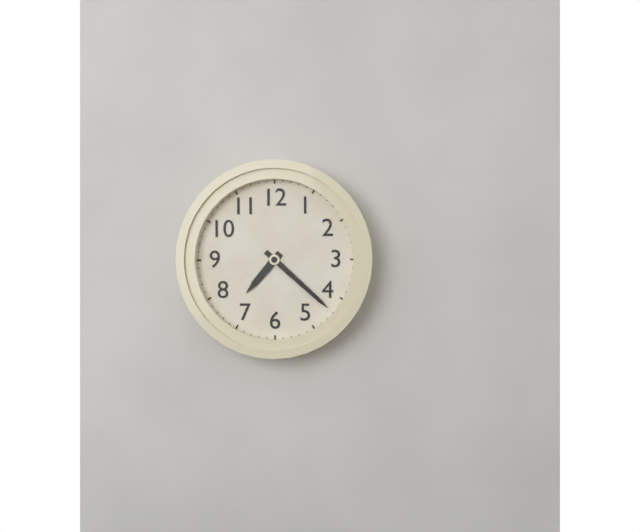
7:22
